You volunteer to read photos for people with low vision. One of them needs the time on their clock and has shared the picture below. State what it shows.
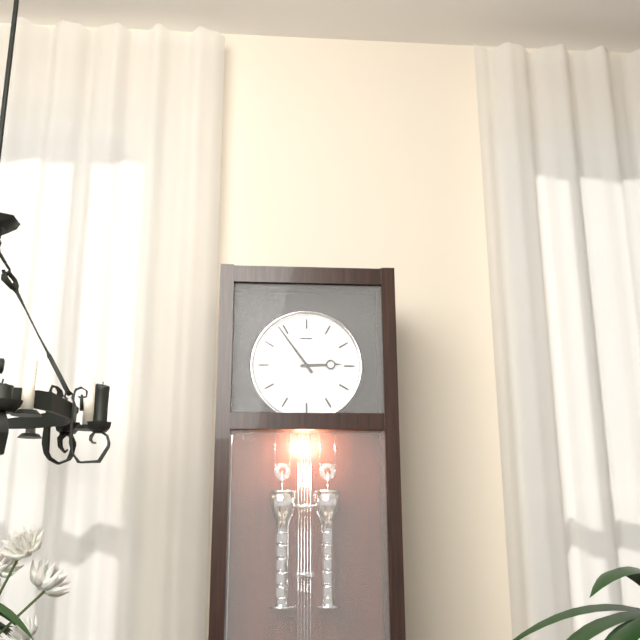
2:54
